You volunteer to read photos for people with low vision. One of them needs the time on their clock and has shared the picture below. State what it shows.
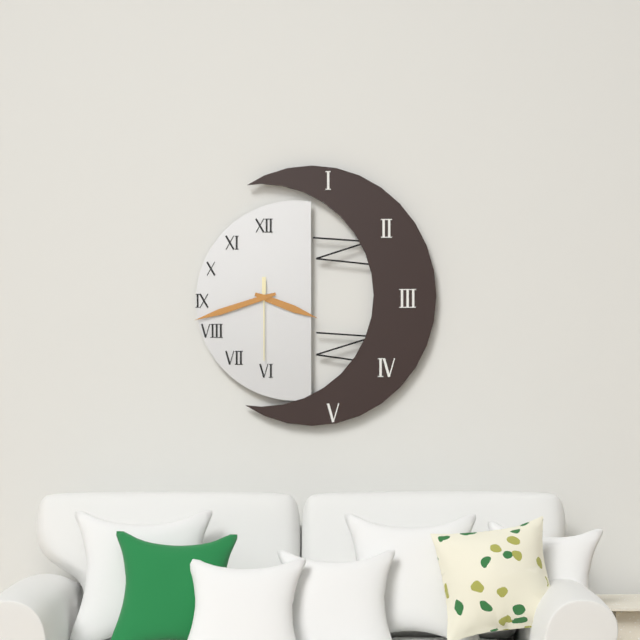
3:42:30
